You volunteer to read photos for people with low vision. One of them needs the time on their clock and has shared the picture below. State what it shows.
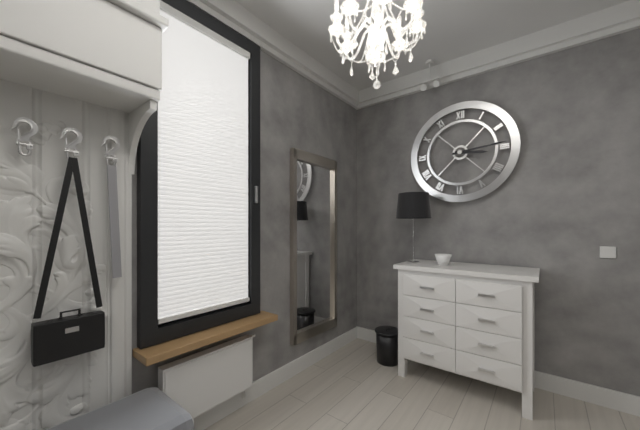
3:14
